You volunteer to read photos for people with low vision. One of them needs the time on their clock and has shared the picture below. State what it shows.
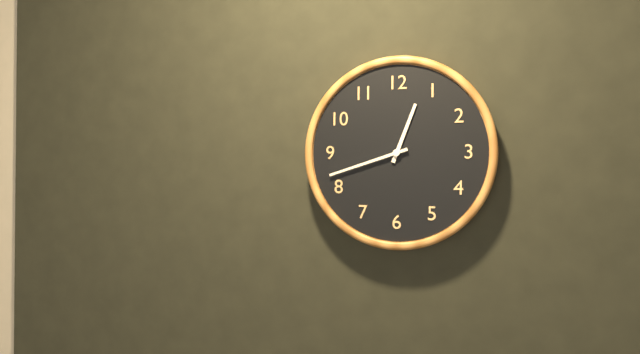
12:42
